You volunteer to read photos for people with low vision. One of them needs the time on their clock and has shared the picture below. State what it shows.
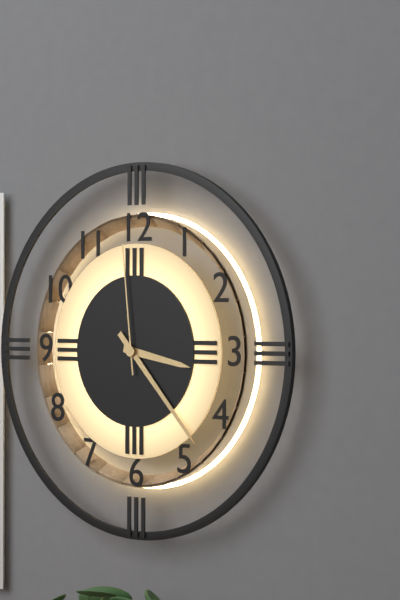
3:23:59
